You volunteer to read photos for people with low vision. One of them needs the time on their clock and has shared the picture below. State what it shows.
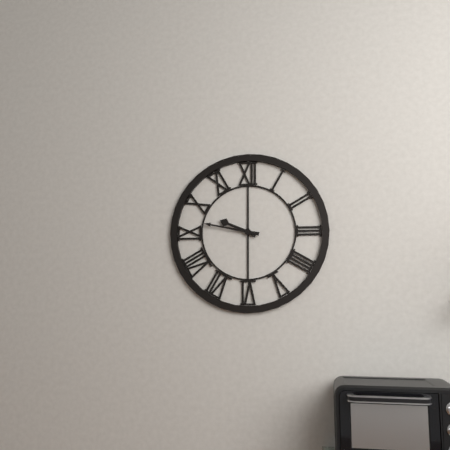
9:47
